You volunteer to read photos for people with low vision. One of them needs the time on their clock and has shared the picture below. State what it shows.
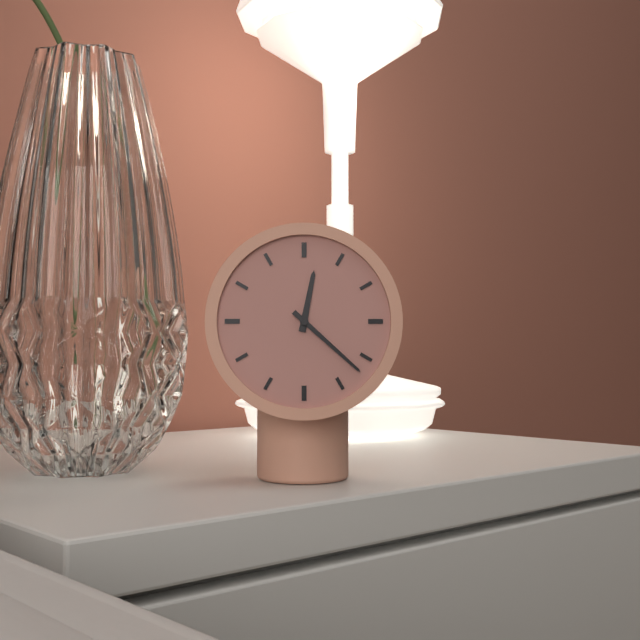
12:22
